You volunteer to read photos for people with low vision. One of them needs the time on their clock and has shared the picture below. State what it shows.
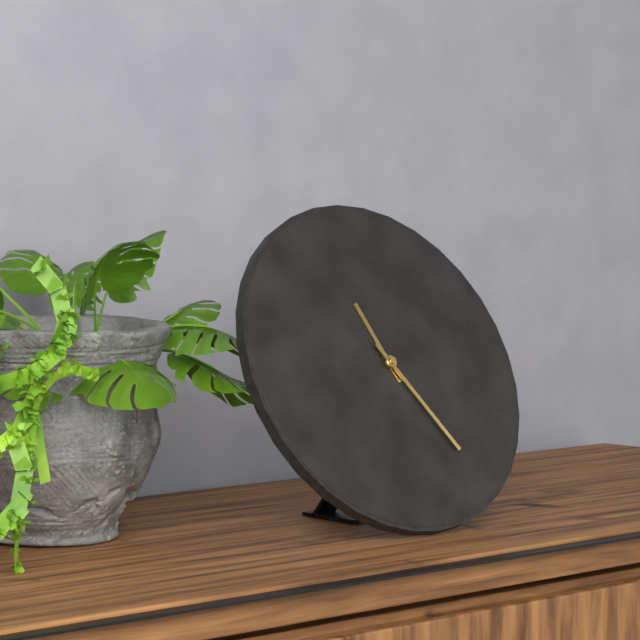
11:25
